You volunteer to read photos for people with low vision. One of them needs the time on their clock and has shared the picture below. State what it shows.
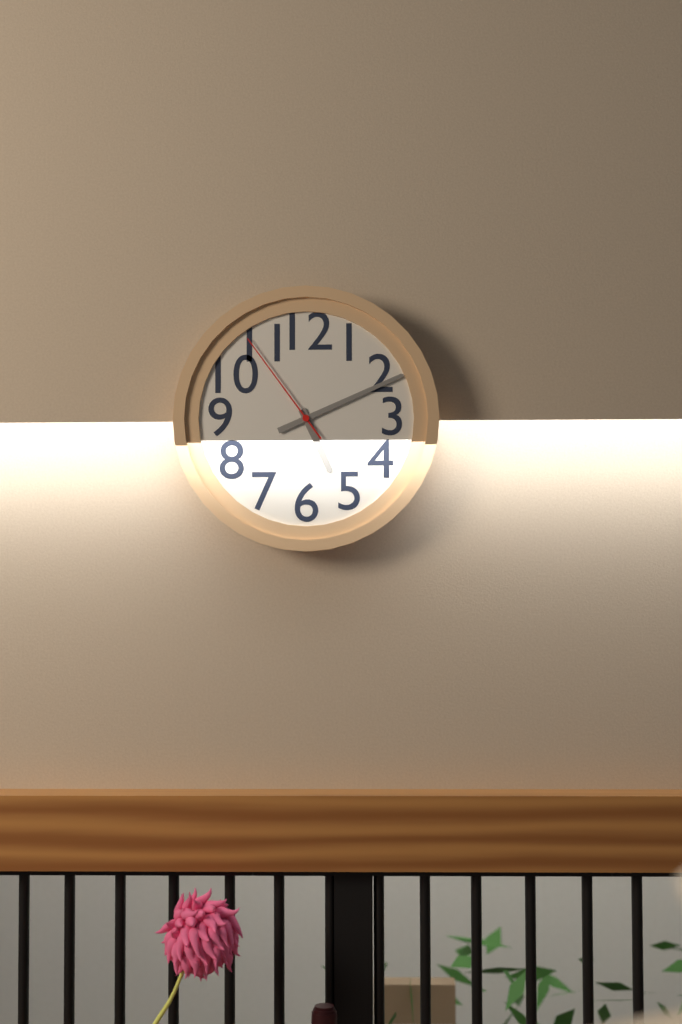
5:11:54
